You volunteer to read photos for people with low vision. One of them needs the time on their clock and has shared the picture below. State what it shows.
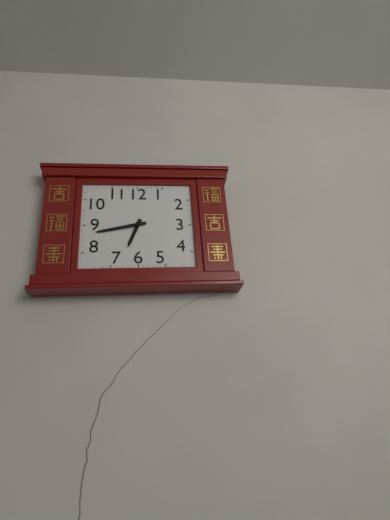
6:43
